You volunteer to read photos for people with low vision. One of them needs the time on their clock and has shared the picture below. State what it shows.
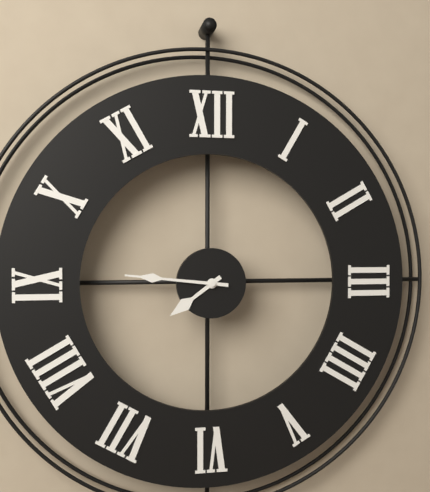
7:46
